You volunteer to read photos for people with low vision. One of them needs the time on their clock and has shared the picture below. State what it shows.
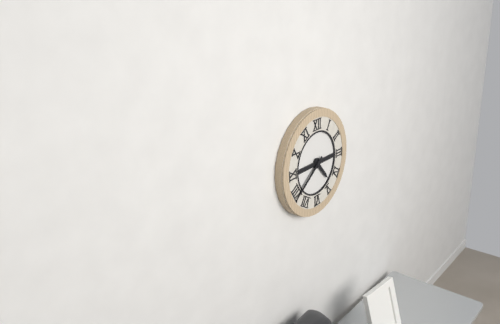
4:39
